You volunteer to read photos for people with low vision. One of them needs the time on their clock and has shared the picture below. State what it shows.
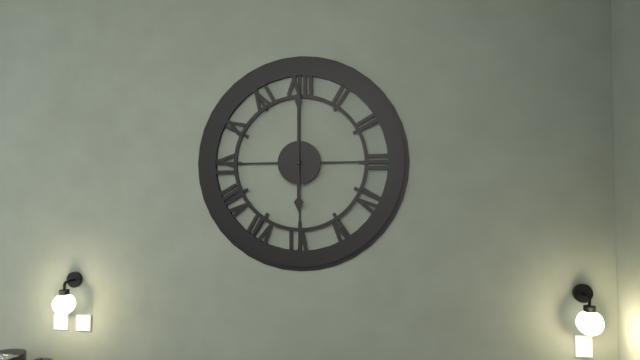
6:00
